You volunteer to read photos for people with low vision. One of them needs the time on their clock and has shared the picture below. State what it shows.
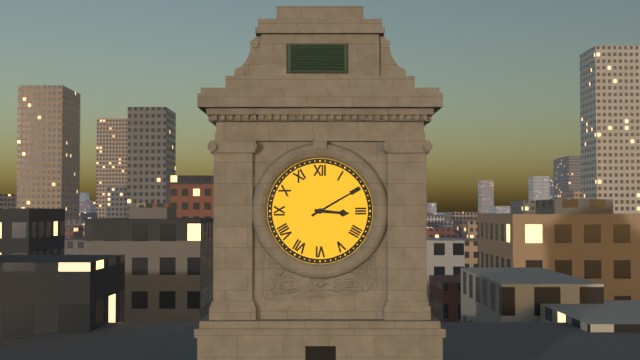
3:10
